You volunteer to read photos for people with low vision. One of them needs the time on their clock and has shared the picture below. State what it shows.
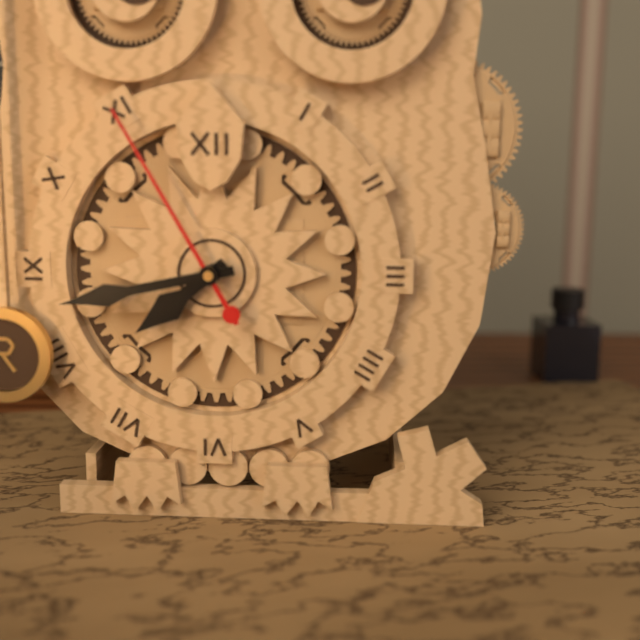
7:43:55
